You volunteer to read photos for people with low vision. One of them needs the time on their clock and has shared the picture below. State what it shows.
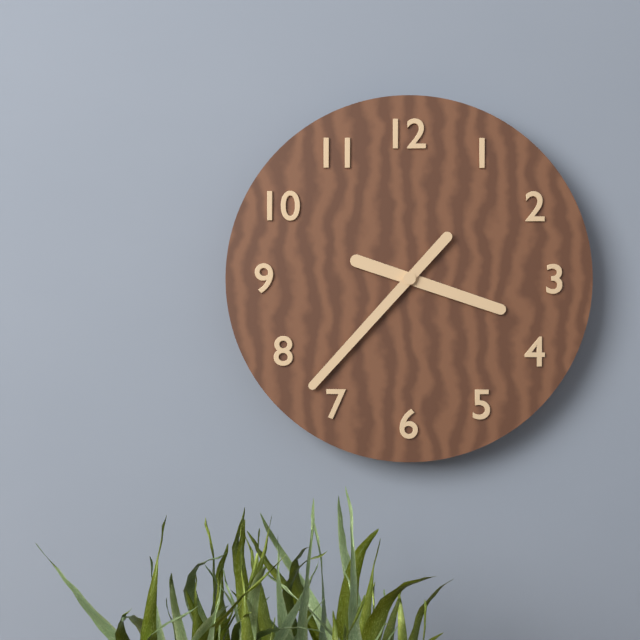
3:37
